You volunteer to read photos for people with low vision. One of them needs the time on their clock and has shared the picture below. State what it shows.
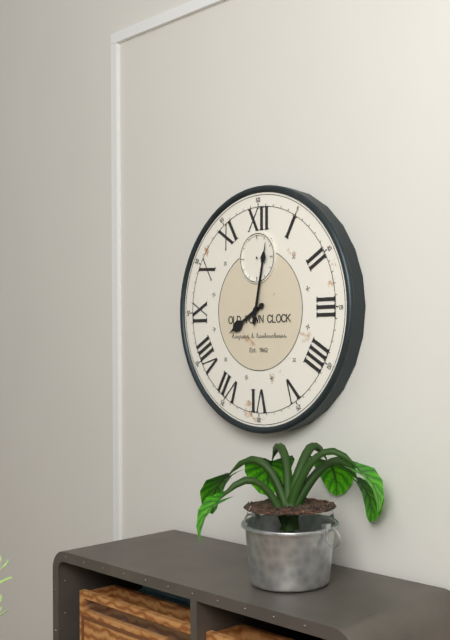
8:02
